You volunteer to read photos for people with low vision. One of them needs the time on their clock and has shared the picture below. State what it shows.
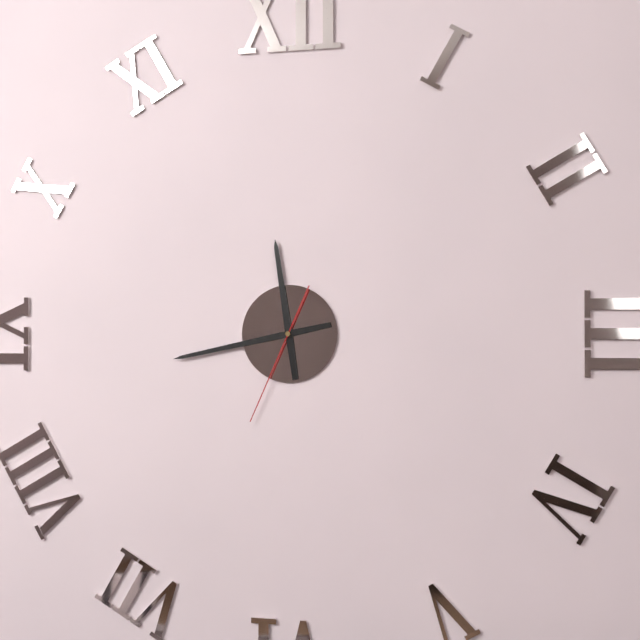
11:43:34
